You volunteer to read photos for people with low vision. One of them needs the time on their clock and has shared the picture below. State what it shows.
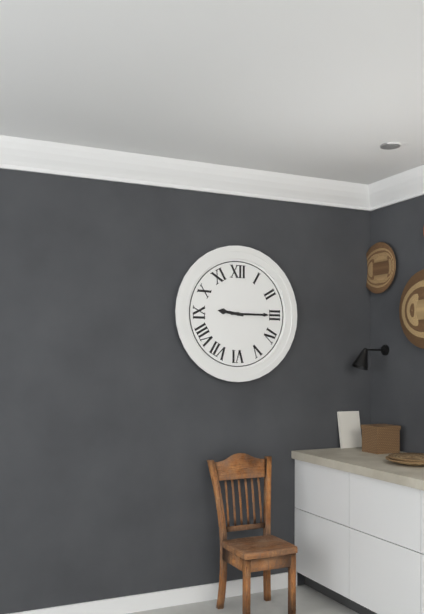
9:15
